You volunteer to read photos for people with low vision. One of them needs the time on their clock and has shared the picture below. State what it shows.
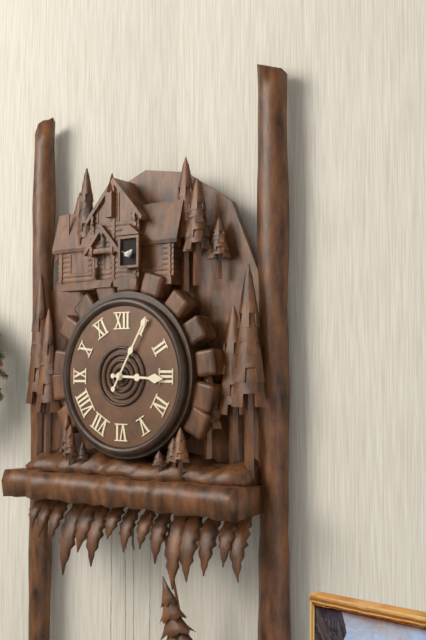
3:05
